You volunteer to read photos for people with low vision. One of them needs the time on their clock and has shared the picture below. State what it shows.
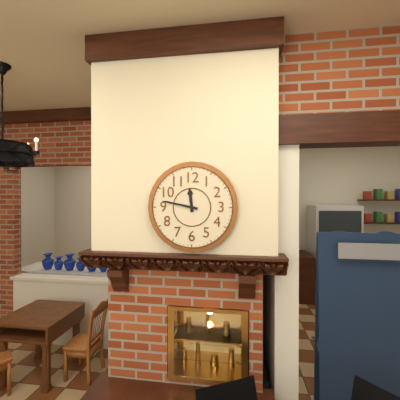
11:47
